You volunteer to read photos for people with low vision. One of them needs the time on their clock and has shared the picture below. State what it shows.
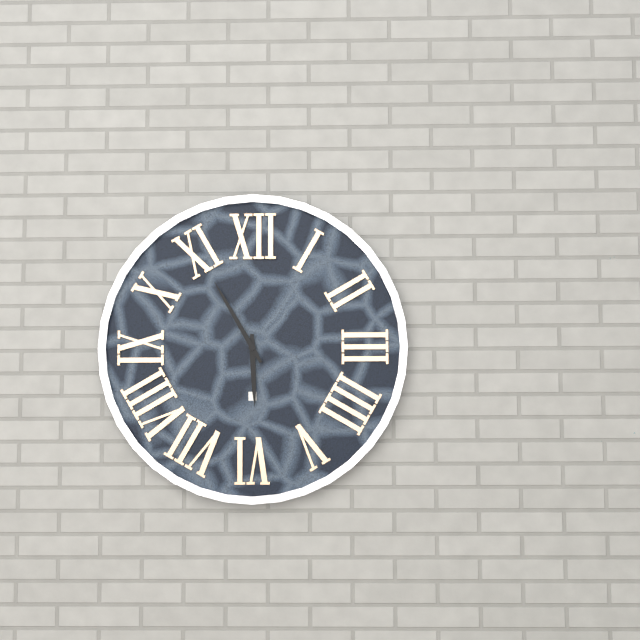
5:55
